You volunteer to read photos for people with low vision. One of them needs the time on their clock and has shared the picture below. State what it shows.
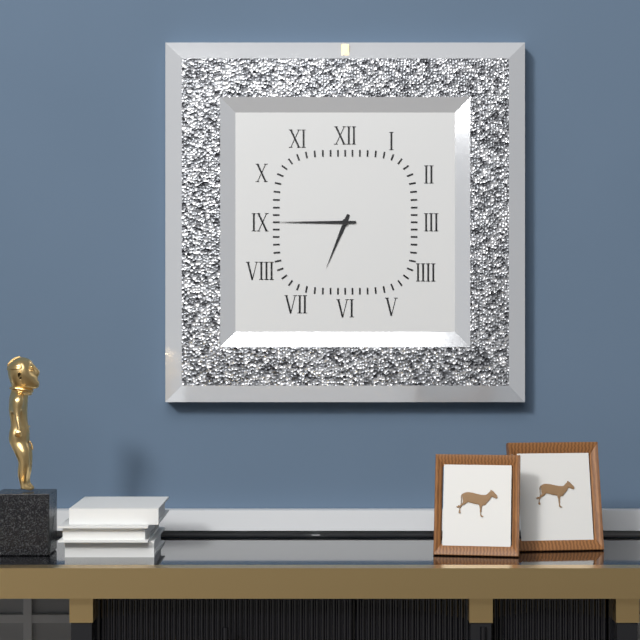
6:45
